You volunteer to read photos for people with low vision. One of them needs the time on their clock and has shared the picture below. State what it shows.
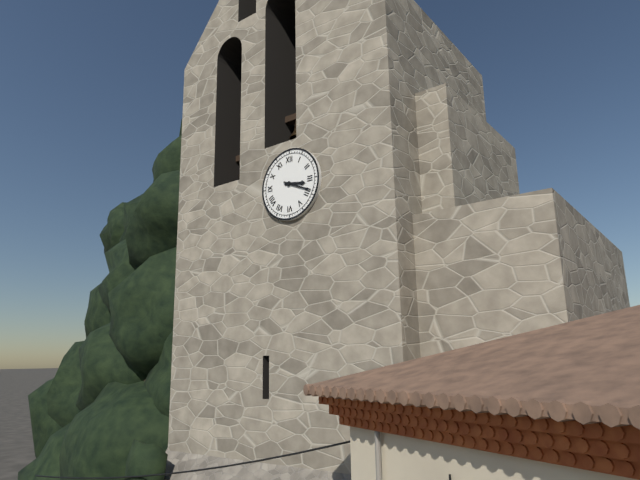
3:19
